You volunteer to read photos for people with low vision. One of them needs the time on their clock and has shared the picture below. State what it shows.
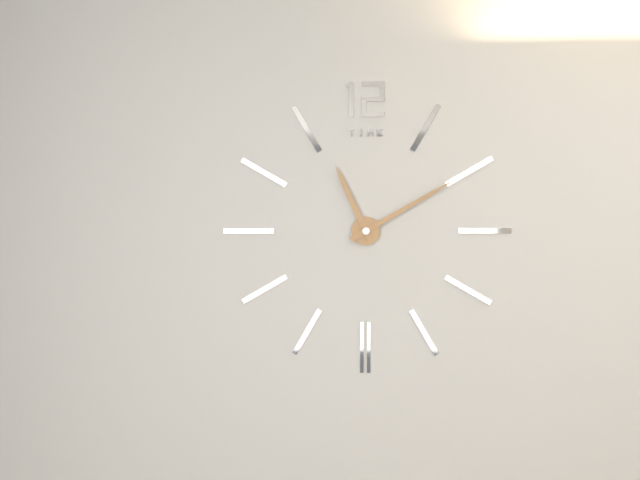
11:10
